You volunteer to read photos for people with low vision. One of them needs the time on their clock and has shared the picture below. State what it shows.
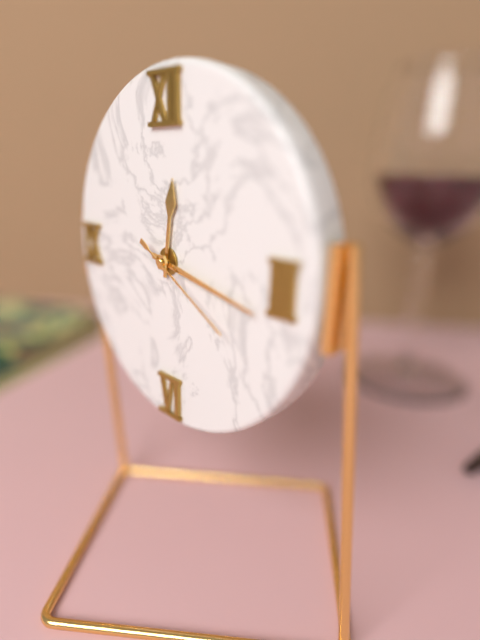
12:17:20
